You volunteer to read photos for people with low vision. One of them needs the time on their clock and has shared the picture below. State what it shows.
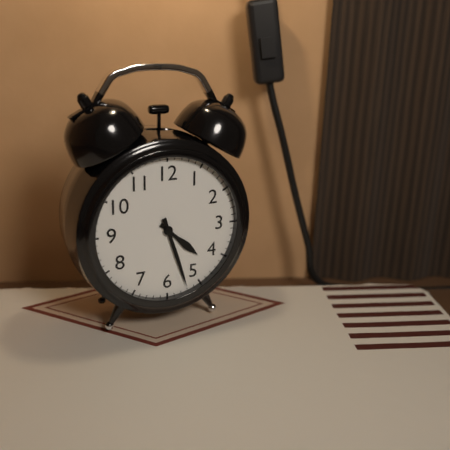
4:27
